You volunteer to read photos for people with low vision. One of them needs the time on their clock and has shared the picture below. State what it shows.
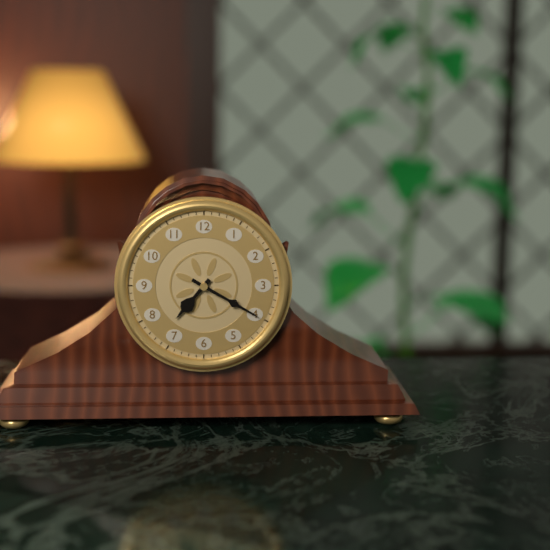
7:20
